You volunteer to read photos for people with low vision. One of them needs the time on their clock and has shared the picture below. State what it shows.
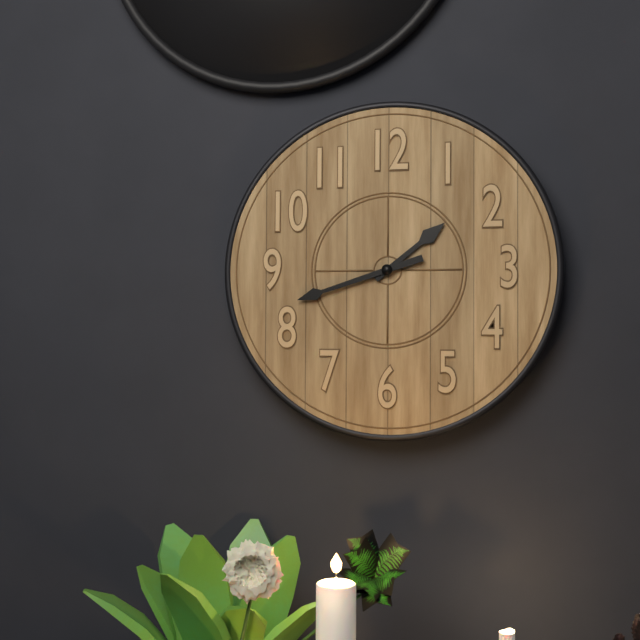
1:42
